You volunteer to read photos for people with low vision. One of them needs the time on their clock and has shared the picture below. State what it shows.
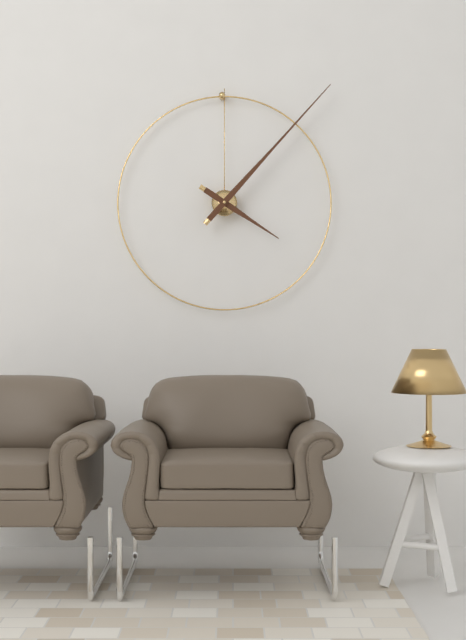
4:07
